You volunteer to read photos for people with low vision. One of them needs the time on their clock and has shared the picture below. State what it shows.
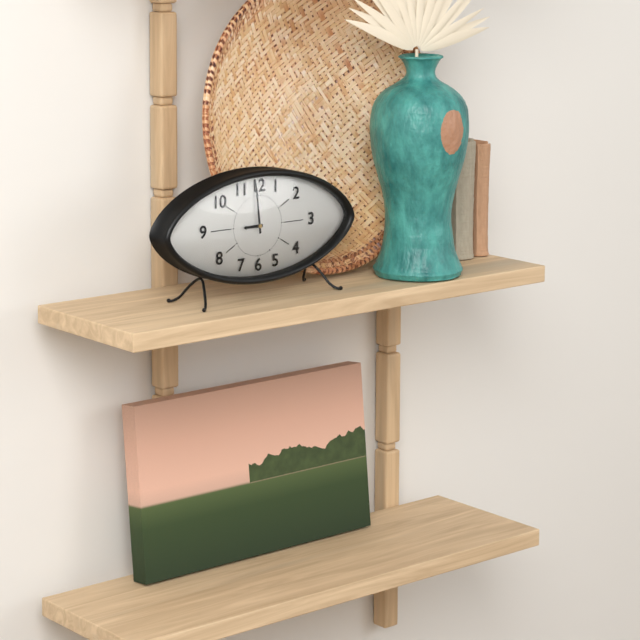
8:59
